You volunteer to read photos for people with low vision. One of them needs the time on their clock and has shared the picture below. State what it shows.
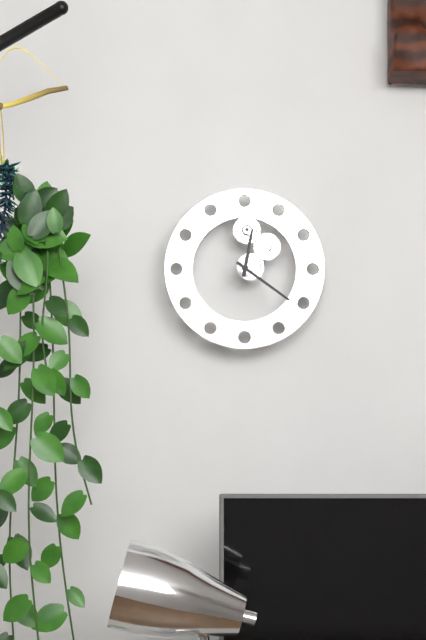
12:21
